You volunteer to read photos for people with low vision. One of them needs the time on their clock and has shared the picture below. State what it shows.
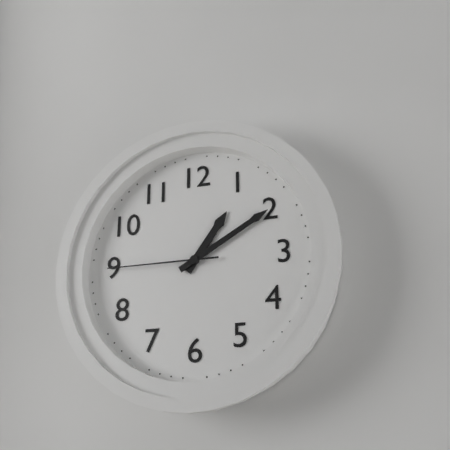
1:10:45
